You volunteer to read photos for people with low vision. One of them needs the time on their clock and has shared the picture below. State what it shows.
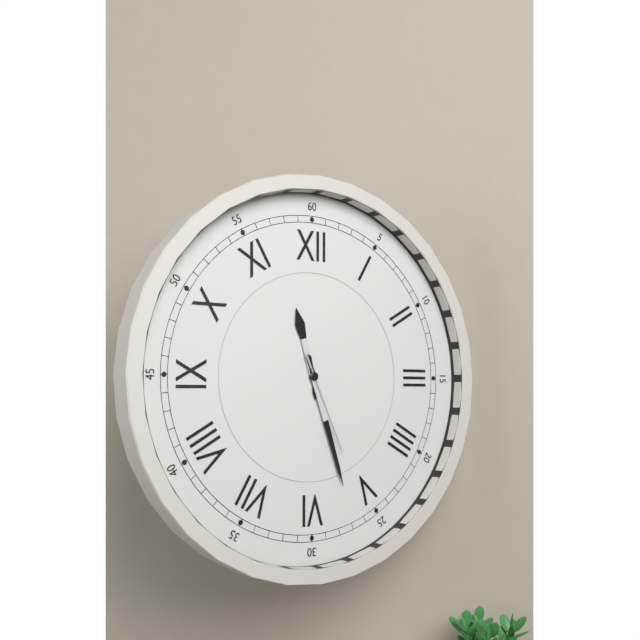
11:27:26
